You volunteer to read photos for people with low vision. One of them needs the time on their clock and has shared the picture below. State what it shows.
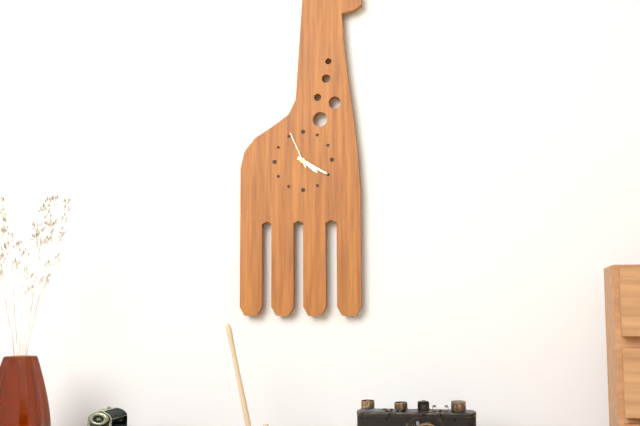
4:20
